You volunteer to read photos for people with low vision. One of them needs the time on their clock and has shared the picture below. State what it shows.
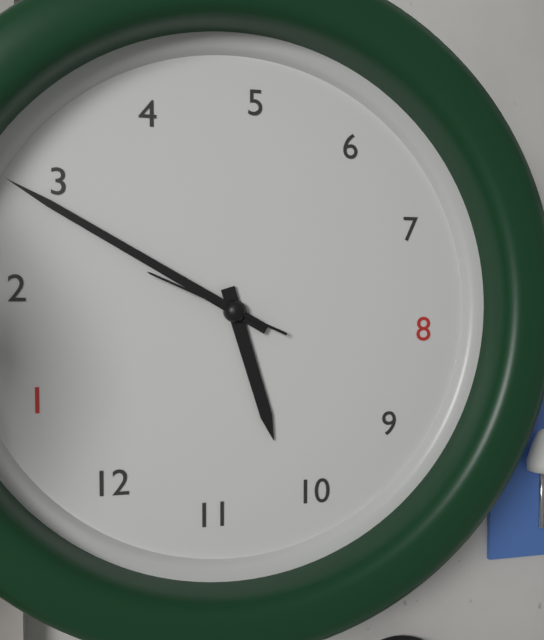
10:14:13
